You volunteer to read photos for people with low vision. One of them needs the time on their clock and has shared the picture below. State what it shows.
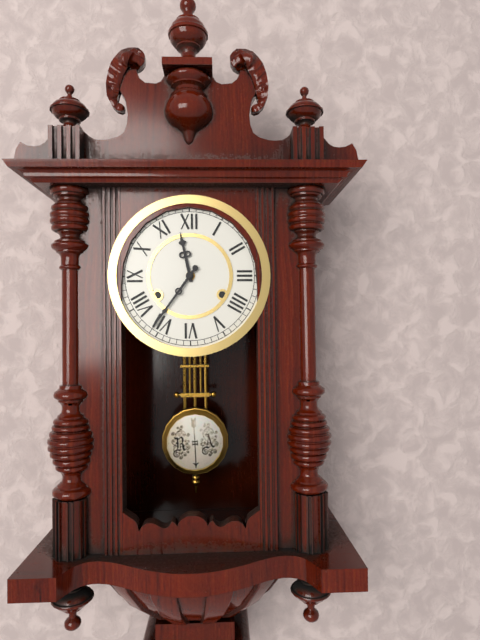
11:36
